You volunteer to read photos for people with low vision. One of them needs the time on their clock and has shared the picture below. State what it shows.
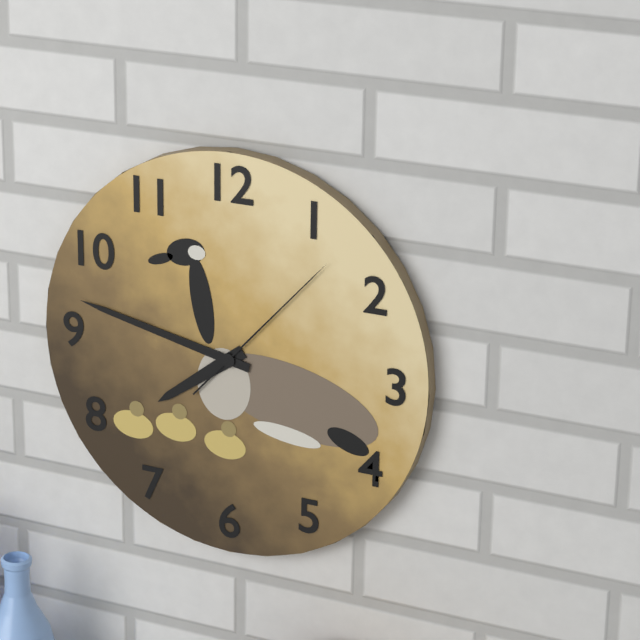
7:47:07
